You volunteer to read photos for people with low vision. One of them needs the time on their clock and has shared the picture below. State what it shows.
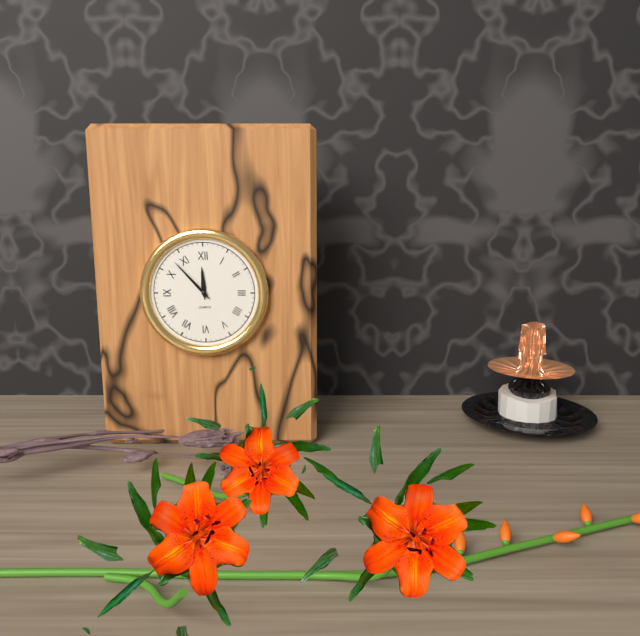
11:53
